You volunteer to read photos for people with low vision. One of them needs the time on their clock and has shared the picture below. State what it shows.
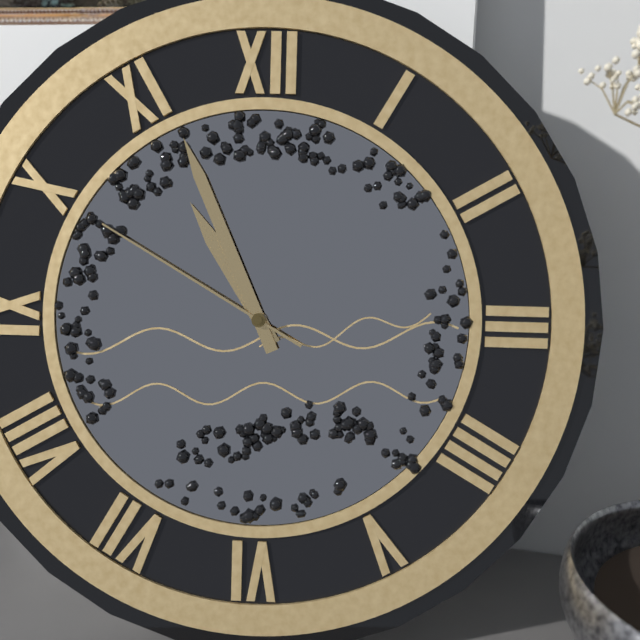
10:56:50
